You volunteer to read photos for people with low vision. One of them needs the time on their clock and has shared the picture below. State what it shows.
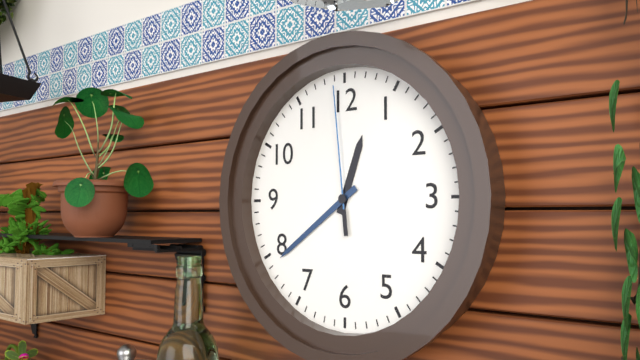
12:39:59
